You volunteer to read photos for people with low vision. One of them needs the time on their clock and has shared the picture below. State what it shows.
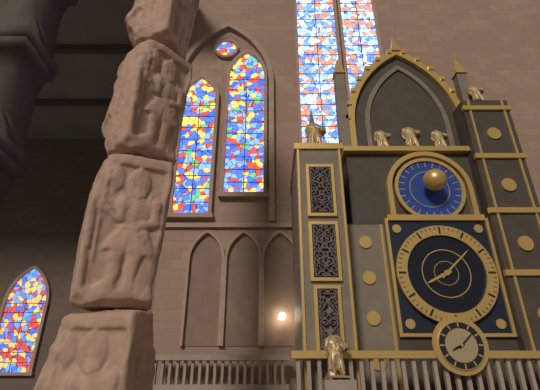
8:08
